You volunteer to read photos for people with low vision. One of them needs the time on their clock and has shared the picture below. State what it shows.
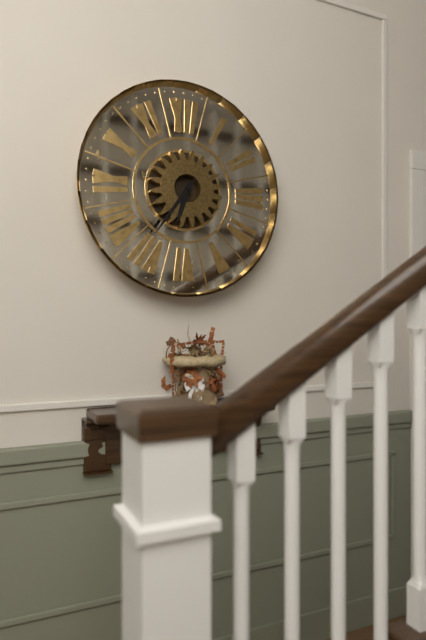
6:36
